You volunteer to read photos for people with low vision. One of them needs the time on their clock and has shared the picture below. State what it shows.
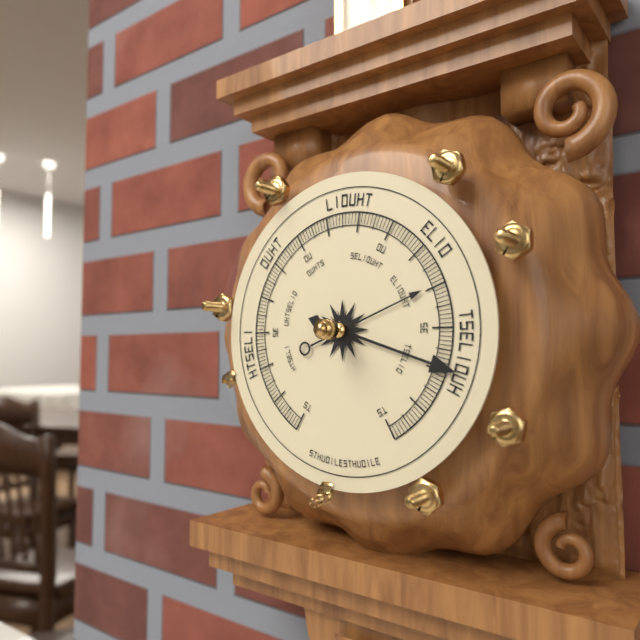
2:18
